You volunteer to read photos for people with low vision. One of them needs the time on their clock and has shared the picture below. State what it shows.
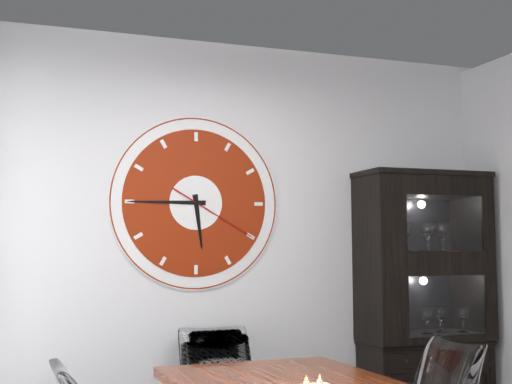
5:45:20
